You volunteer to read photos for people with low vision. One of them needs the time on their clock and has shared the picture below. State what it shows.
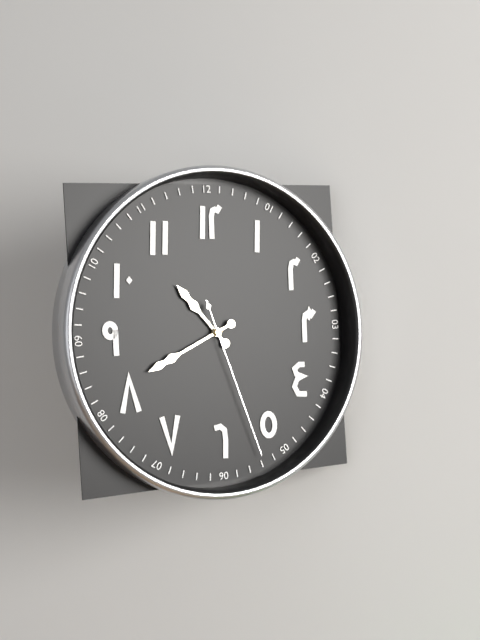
10:41:27
